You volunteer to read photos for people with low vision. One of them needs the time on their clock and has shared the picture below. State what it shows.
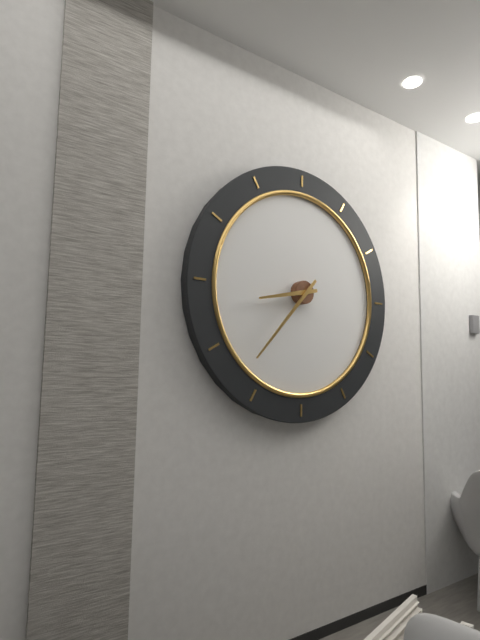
8:37
